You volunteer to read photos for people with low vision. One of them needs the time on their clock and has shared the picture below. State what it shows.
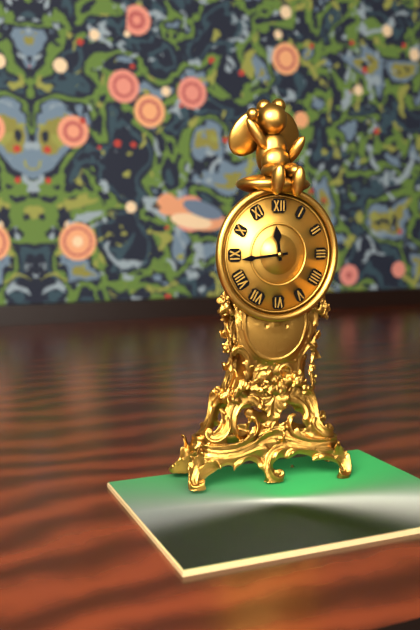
11:44
